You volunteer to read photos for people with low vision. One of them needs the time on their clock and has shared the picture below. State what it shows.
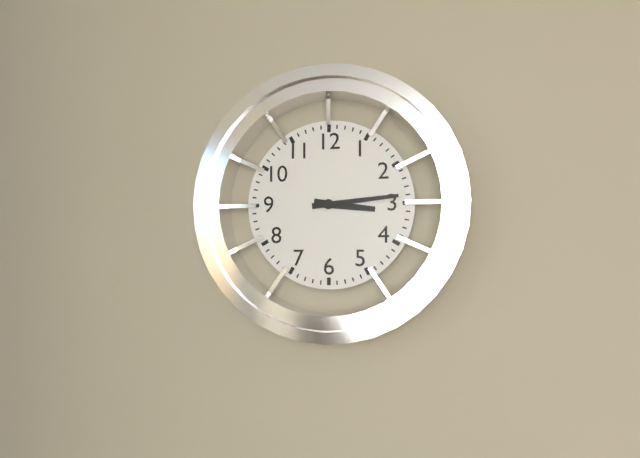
3:14
